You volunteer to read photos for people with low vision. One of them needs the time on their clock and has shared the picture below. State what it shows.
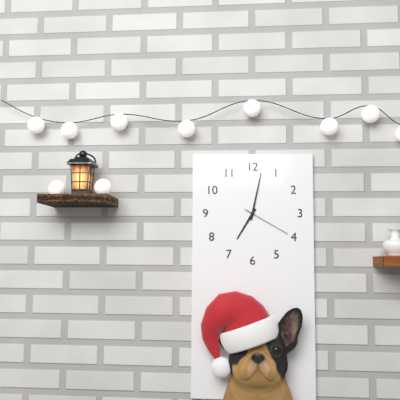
7:02:20
